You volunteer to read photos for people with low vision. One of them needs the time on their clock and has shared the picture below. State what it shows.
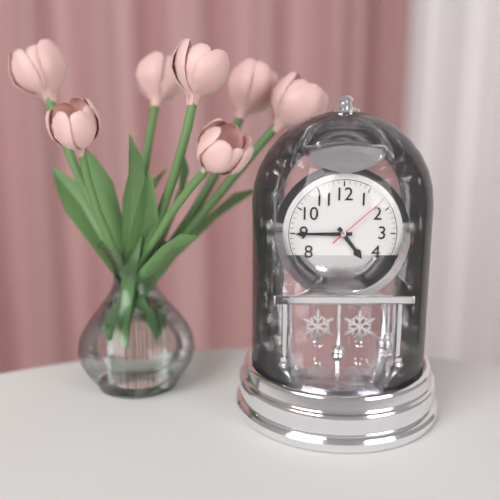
4:45:08
